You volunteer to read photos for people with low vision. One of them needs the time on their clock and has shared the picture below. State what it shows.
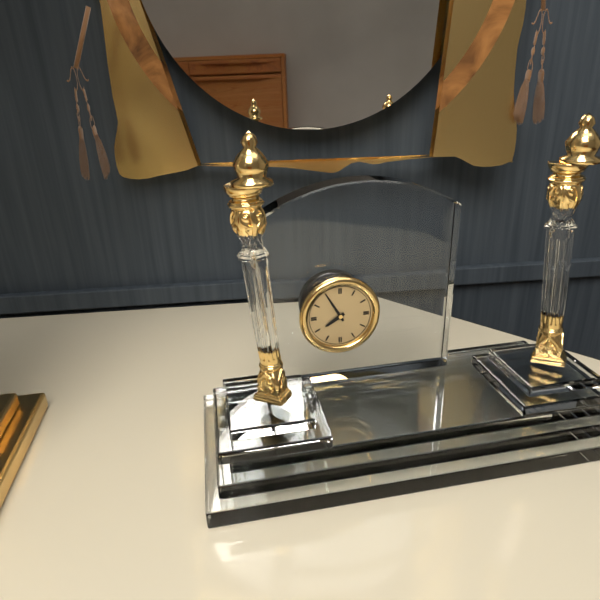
7:55
